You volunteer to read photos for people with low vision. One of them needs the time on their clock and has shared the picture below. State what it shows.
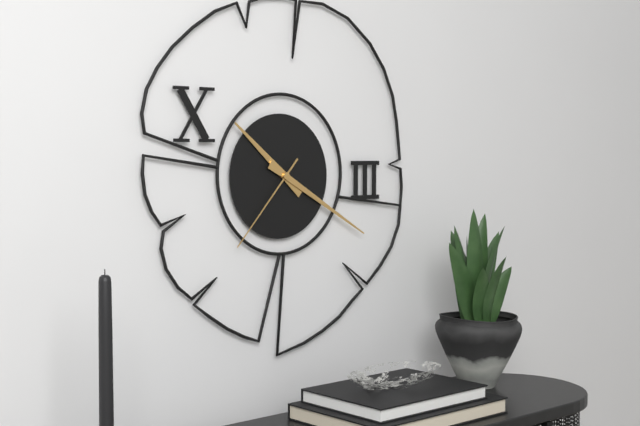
10:20:37
